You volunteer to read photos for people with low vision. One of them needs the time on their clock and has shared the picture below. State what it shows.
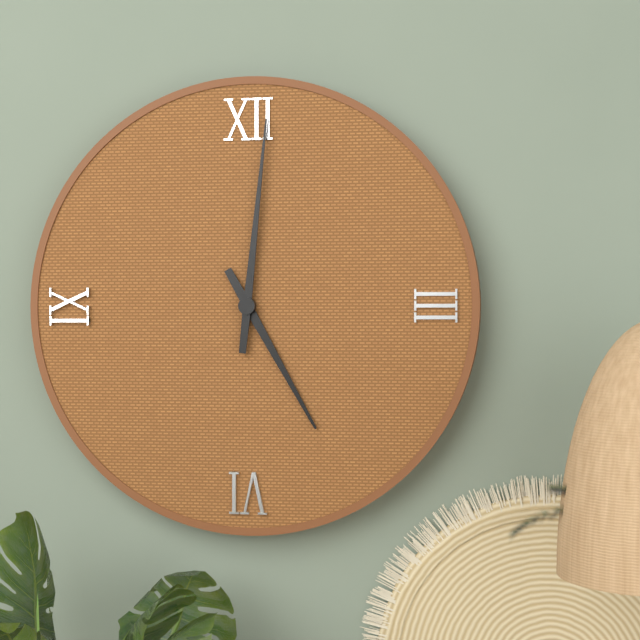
5:01
